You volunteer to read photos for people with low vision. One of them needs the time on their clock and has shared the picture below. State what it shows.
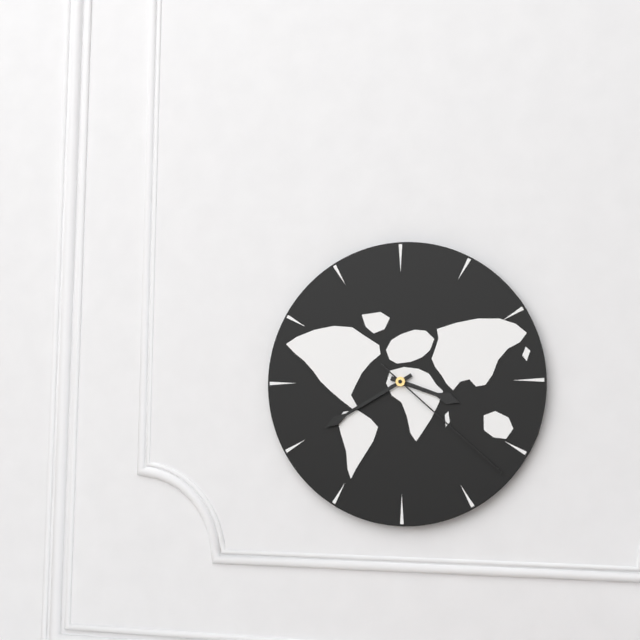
3:40:22
